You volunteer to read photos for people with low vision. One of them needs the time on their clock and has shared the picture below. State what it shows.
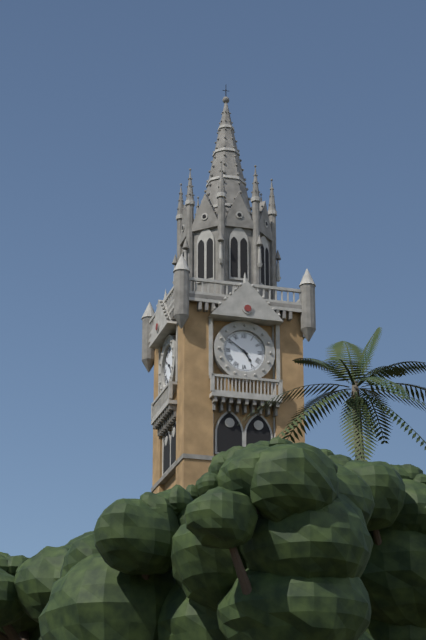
4:51
